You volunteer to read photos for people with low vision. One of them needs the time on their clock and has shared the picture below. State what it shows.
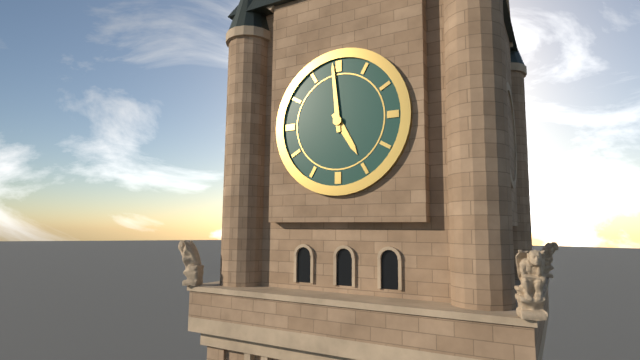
4:59
